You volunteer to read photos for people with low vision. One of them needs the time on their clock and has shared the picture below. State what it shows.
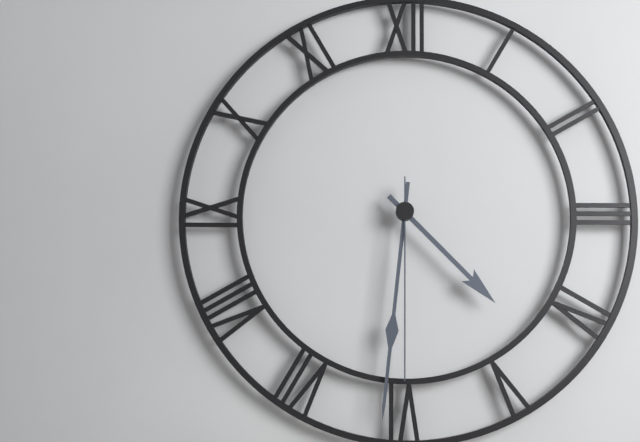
4:31:30
